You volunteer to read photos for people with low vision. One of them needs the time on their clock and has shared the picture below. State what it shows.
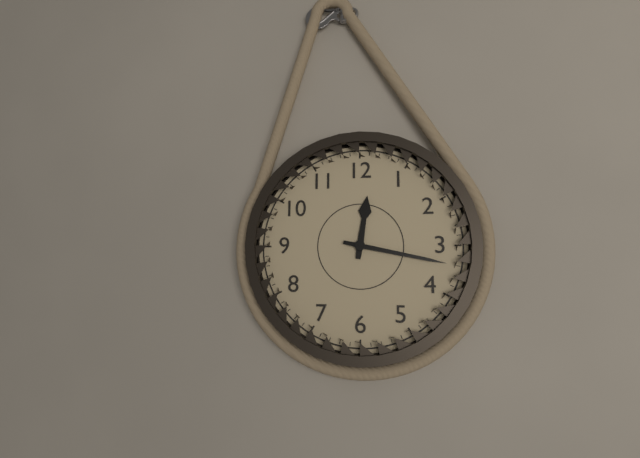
12:17
